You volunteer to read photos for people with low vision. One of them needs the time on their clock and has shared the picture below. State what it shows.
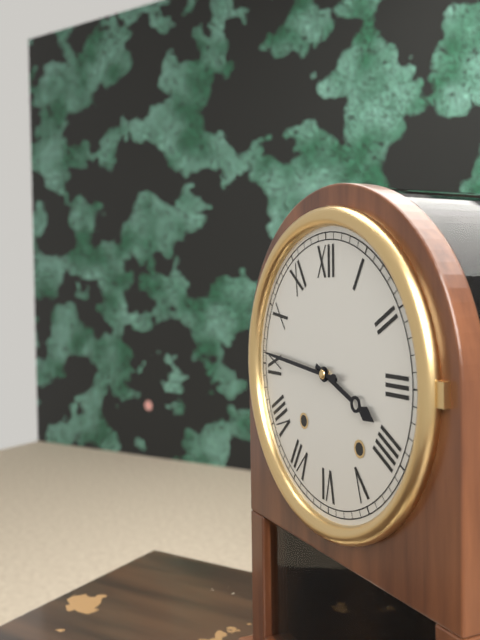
3:46
